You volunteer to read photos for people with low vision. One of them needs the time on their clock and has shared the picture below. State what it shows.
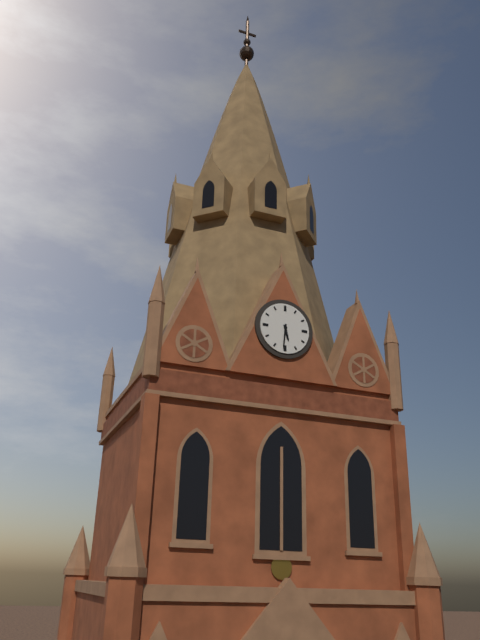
5:31
